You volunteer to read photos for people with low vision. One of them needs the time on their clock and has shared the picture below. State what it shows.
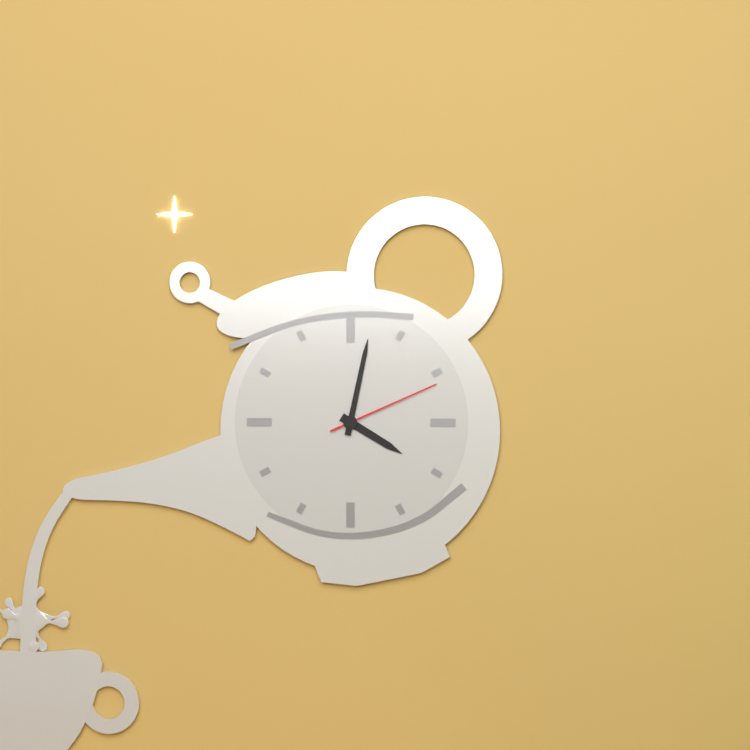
4:02:11
